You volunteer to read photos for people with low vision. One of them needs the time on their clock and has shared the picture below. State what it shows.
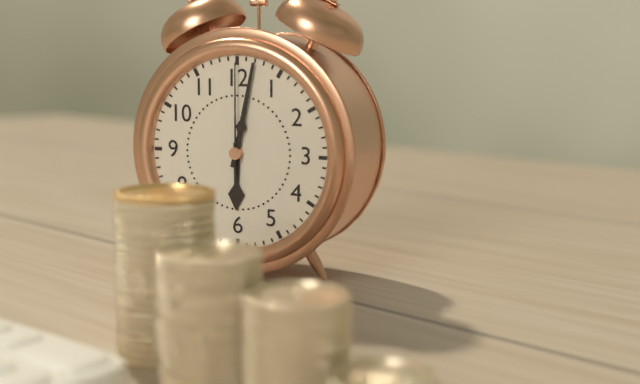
6:02:00
